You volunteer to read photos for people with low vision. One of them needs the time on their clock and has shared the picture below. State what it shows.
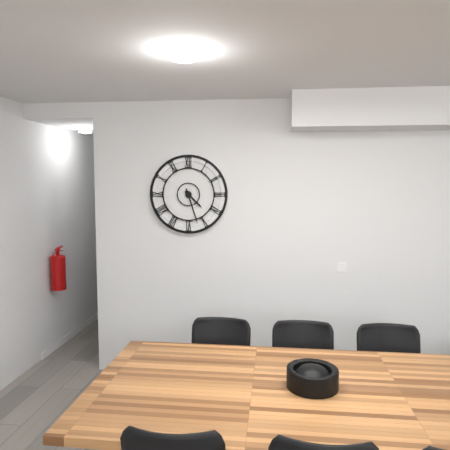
4:27
